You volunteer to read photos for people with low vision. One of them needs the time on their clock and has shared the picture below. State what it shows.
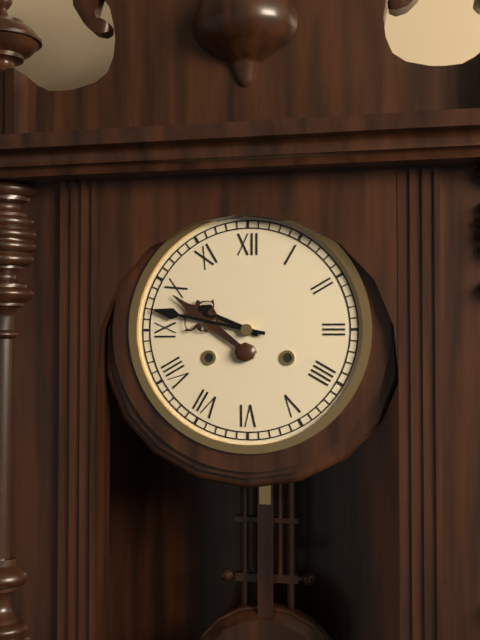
9:47
